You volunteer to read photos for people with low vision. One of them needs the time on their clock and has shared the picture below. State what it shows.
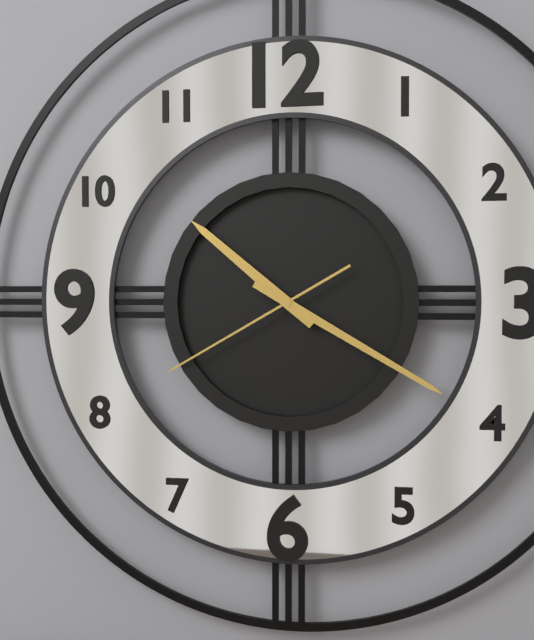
10:20:40
